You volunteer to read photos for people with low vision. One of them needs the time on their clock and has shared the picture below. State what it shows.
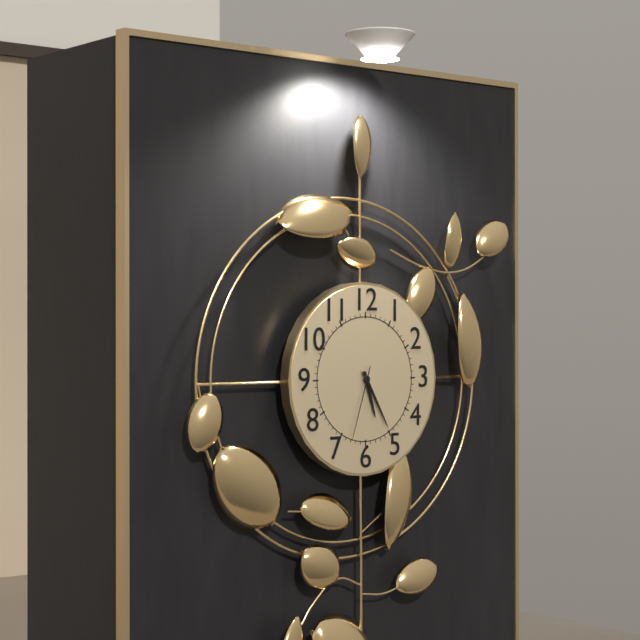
5:25:33
